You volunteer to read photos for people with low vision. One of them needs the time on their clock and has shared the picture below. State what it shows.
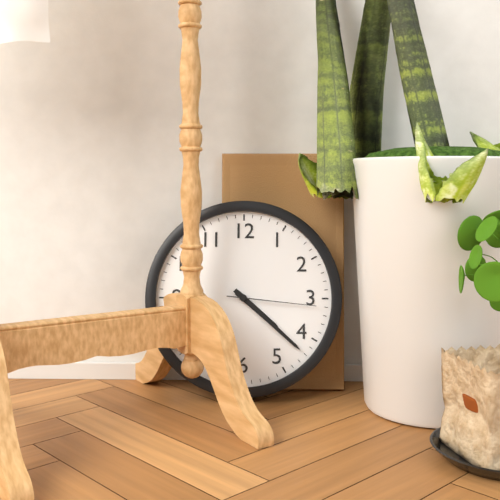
4:22:16
